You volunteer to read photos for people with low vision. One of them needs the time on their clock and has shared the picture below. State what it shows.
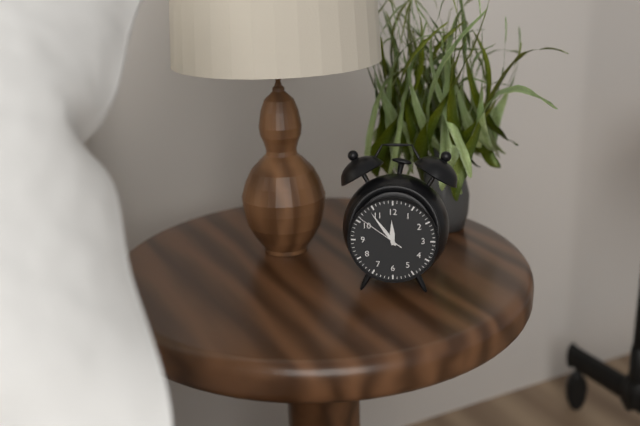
11:54
